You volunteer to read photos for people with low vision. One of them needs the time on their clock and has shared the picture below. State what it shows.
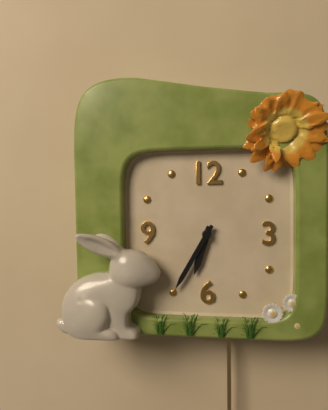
6:35
